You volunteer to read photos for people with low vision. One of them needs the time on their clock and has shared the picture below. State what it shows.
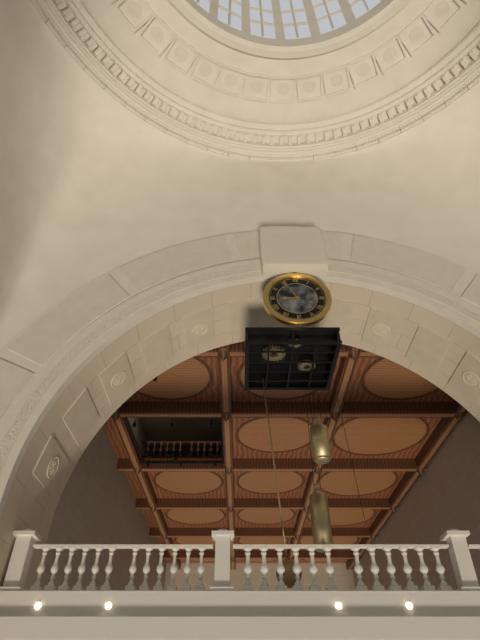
8:55
